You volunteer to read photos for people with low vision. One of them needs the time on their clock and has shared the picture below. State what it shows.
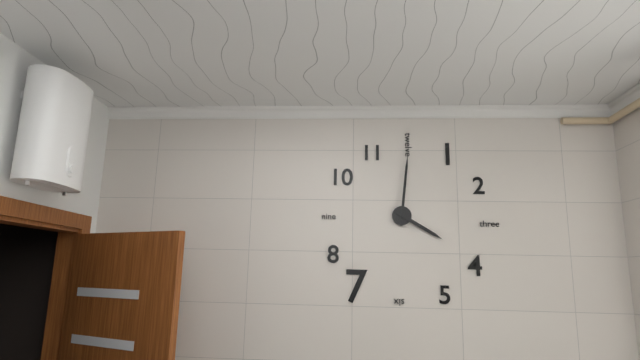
4:01
